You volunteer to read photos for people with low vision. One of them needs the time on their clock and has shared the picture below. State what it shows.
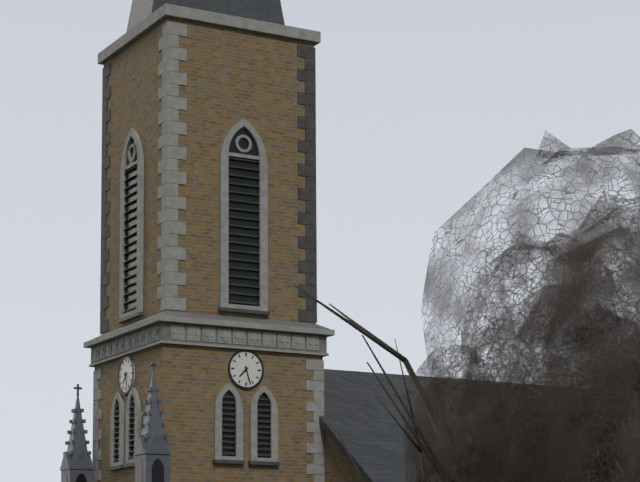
7:27
